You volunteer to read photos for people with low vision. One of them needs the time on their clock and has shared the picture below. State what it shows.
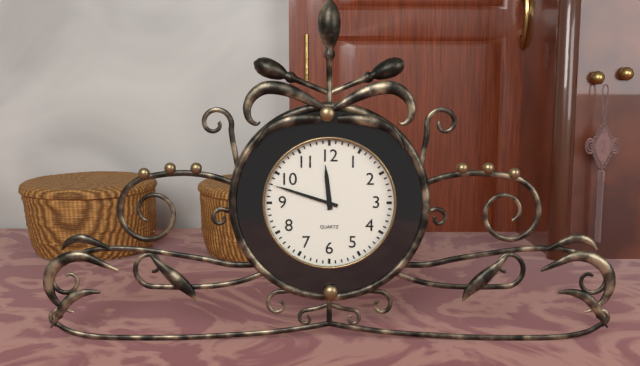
11:48
